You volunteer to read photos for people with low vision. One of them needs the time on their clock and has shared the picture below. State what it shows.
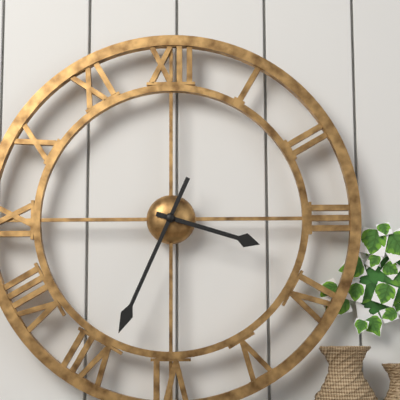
3:34
